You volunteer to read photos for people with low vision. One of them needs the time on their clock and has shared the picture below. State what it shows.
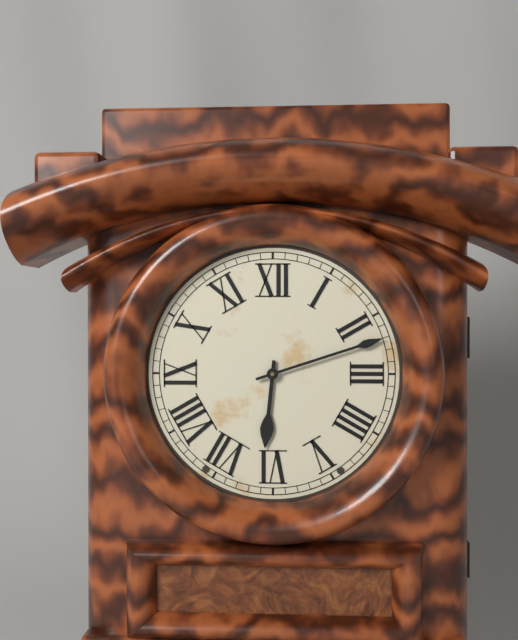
6:12
